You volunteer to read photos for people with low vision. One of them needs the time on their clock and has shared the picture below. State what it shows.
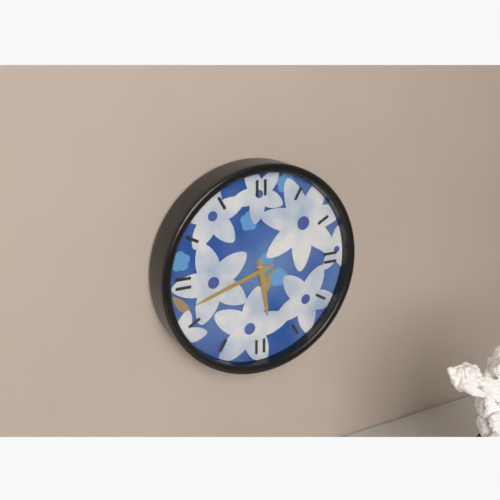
5:42
